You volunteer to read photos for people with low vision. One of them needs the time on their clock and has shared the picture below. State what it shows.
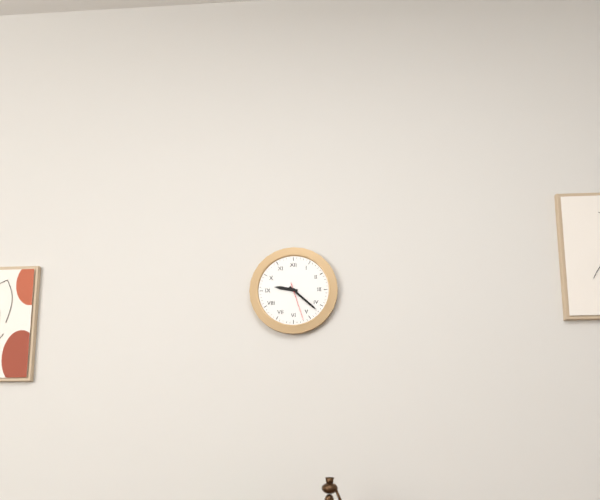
9:22
